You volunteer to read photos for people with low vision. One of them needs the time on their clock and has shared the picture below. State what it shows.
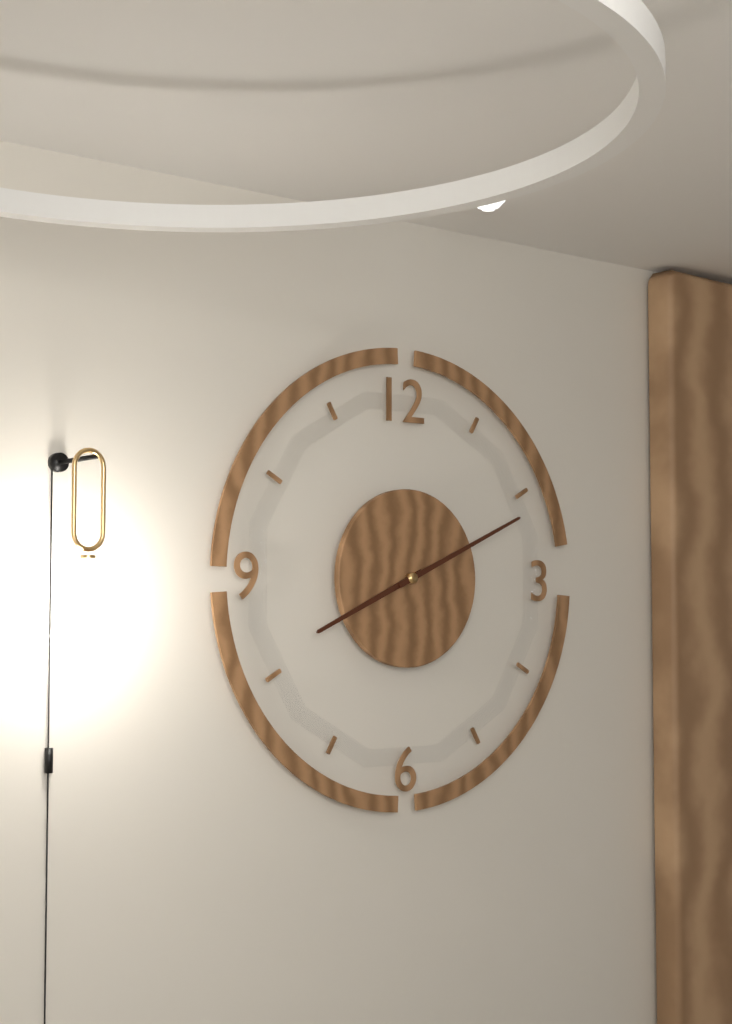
8:11
